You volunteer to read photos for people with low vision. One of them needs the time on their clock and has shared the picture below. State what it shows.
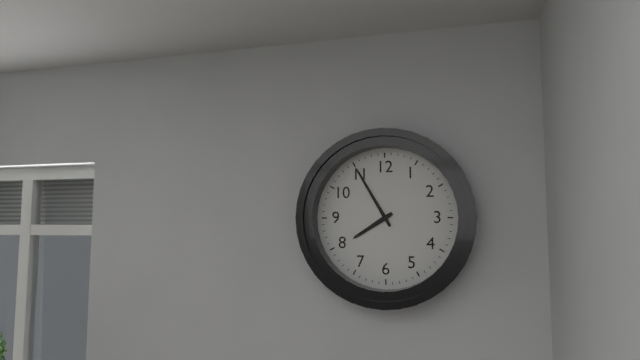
7:55
